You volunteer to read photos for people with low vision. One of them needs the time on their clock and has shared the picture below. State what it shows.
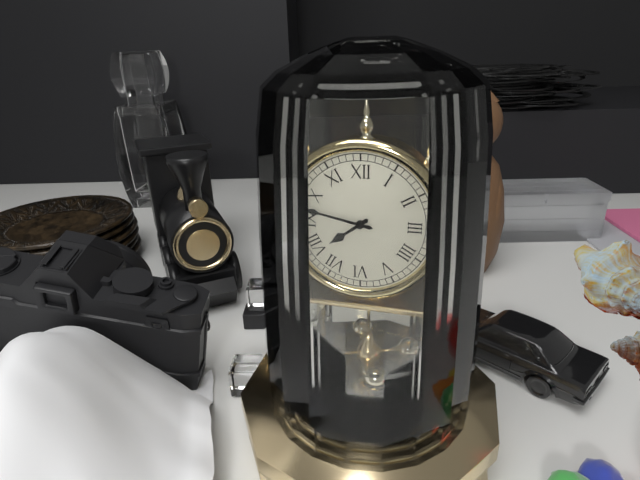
7:47
